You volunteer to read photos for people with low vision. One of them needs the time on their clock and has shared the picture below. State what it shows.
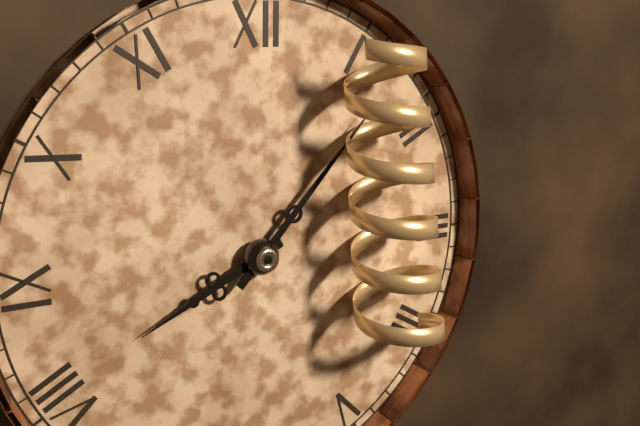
8:07
